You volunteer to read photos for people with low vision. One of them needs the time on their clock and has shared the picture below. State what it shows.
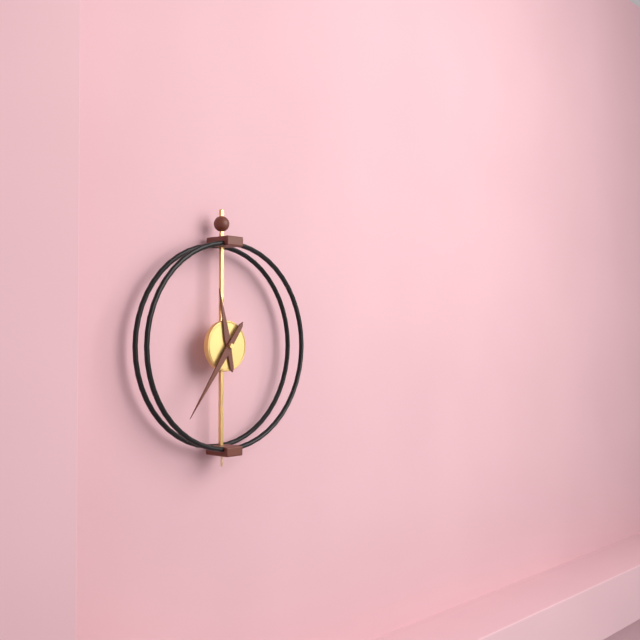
11:36
